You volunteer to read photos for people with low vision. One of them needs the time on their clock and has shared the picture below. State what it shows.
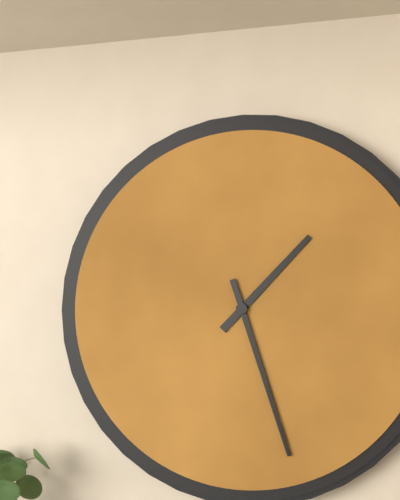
1:27
